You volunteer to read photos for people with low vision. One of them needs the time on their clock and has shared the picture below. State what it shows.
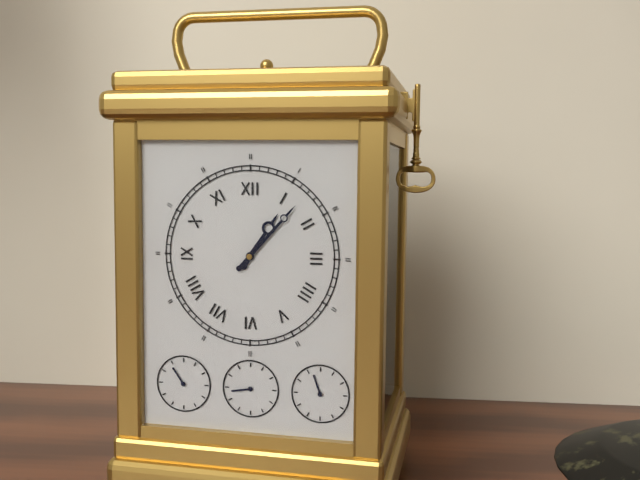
1:07
